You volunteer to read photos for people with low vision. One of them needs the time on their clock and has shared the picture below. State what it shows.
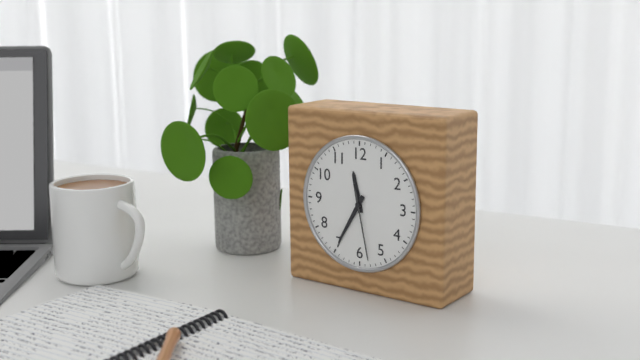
11:35:28
